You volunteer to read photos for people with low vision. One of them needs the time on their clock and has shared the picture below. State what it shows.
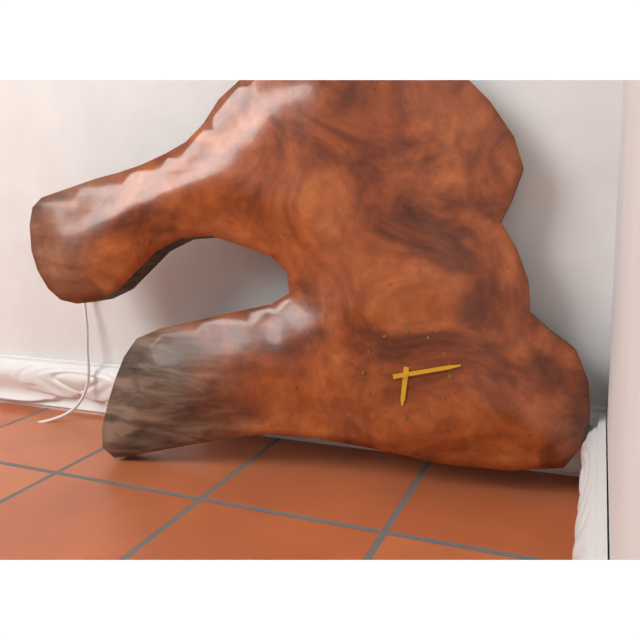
6:13
